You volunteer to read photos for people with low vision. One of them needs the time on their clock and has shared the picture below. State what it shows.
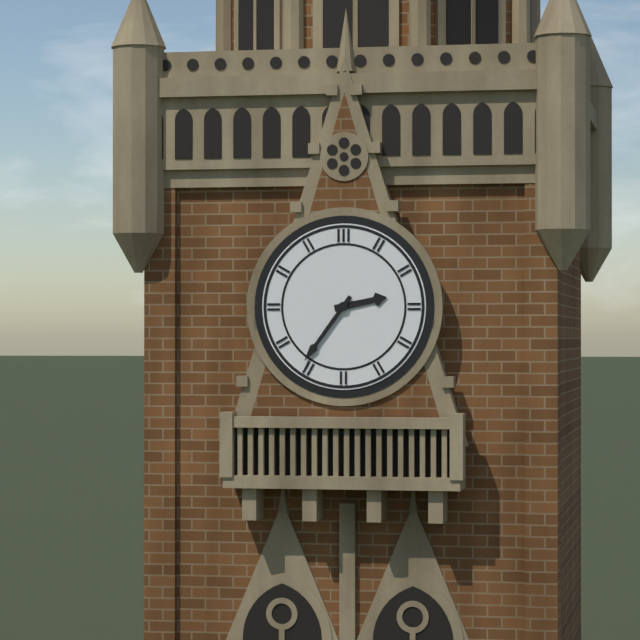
2:36
